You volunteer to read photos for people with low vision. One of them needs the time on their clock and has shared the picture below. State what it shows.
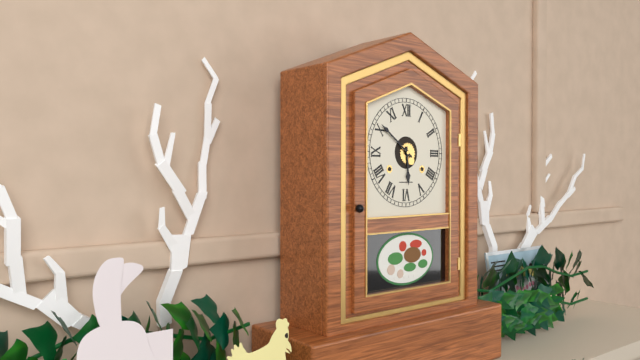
5:51
